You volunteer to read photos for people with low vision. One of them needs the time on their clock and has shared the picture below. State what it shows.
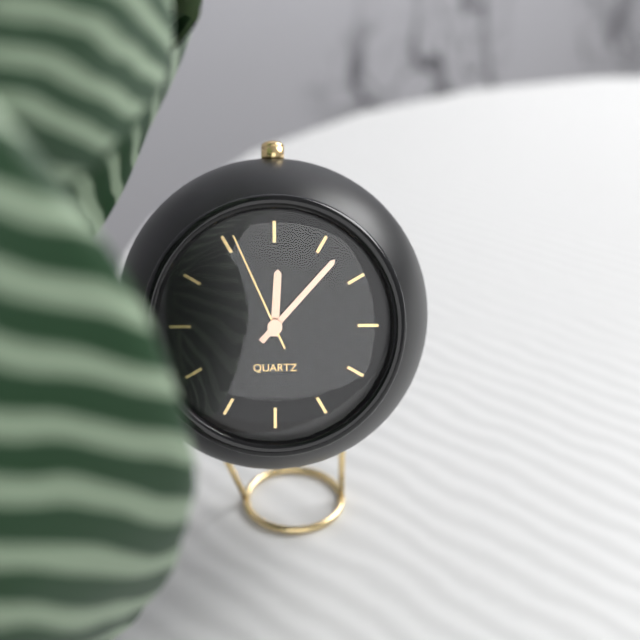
12:07:56
